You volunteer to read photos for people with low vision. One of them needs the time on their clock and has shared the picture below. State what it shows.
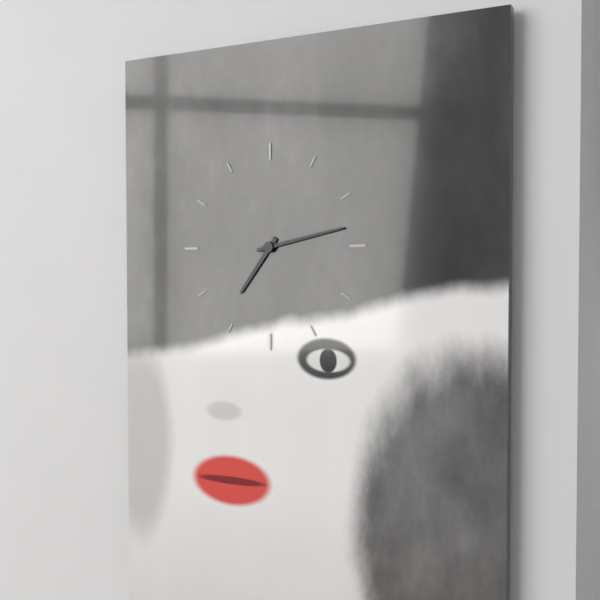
7:13
